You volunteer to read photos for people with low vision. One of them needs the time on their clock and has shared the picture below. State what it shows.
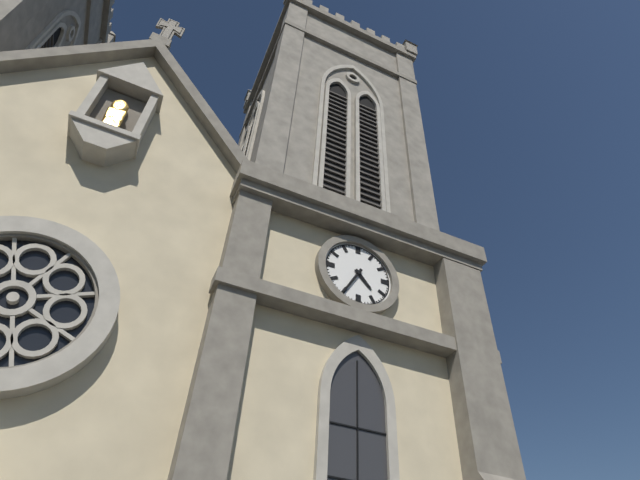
4:35
